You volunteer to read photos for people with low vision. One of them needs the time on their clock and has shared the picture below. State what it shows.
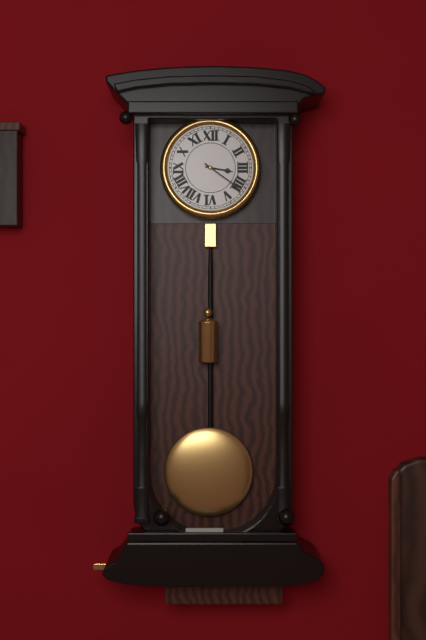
3:21
